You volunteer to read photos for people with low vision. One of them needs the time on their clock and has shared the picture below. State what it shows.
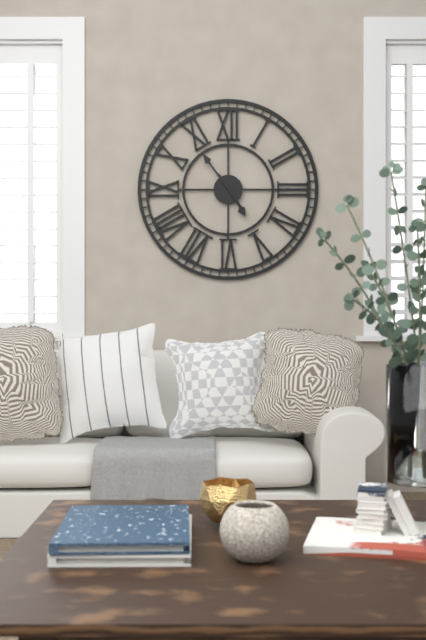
4:54
